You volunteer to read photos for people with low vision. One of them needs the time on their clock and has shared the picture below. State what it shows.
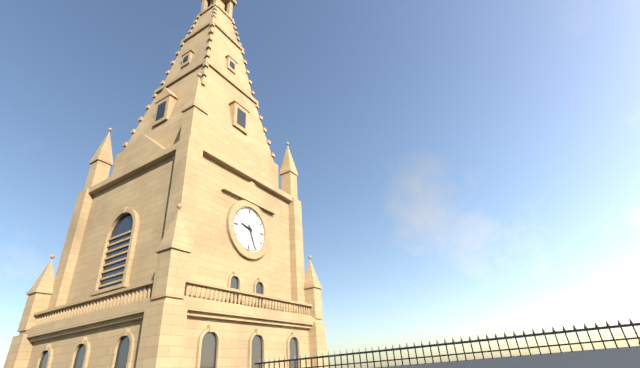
9:26
